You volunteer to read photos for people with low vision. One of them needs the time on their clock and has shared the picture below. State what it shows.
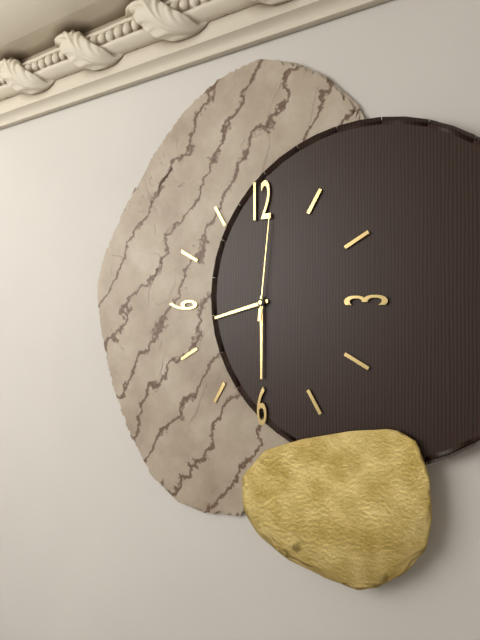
8:30:01
